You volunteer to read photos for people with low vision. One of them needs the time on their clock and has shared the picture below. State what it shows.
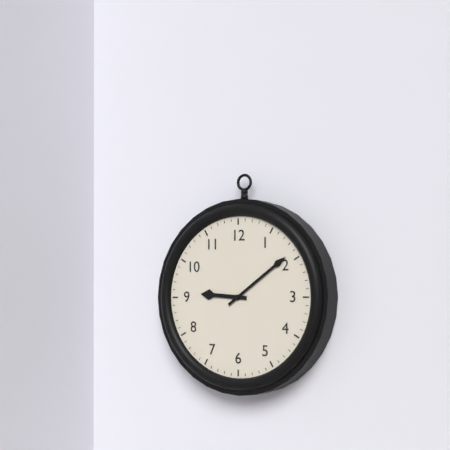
9:09
